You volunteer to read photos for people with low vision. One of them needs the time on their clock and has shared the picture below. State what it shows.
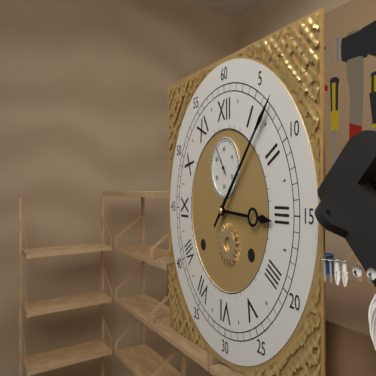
3:07
